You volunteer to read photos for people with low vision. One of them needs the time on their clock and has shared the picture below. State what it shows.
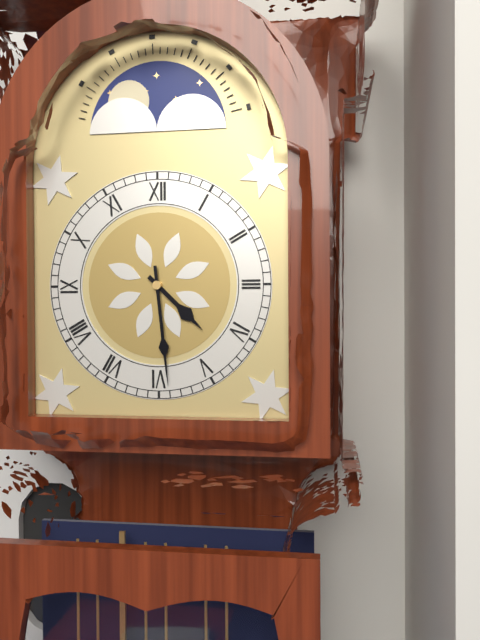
4:29
